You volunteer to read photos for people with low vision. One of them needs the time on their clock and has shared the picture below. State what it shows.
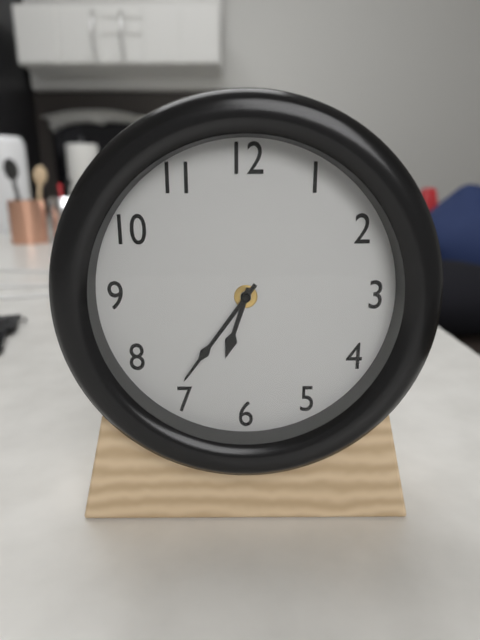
6:36
